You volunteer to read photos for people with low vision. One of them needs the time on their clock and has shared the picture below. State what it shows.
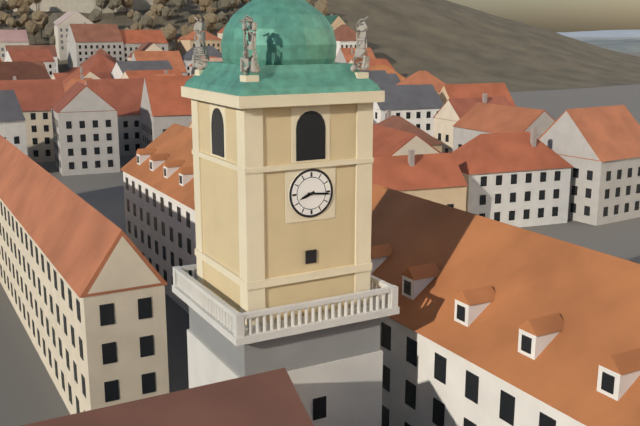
8:16
